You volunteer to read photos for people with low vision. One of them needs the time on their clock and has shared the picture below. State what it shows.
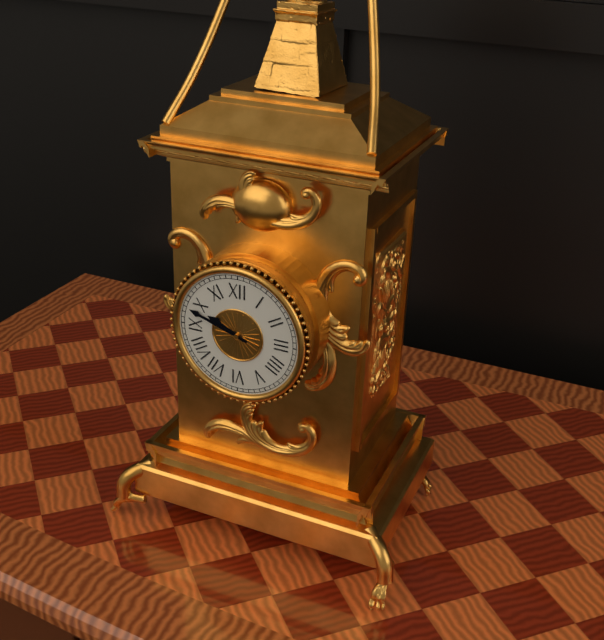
9:48
